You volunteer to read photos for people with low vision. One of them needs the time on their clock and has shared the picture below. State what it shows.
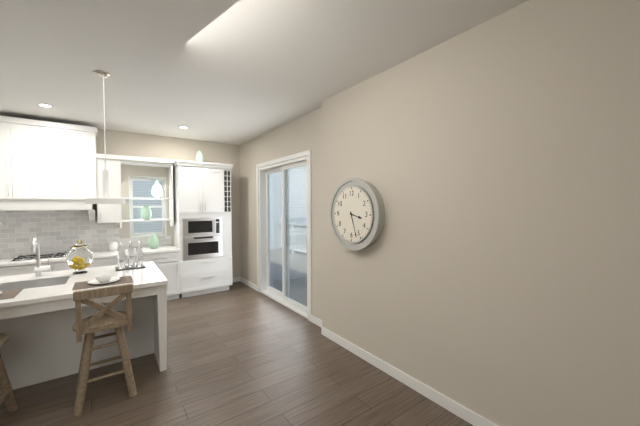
3:27
